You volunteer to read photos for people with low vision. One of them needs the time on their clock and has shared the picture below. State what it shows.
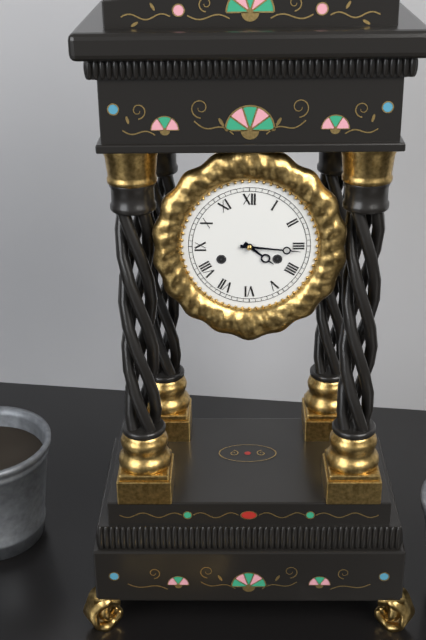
4:16
